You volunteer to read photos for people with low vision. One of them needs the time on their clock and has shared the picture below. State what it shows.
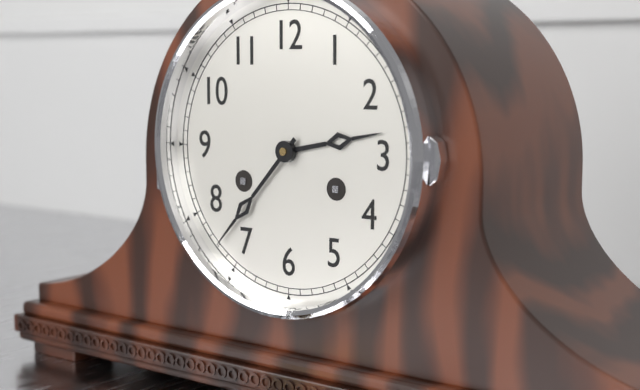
2:37
